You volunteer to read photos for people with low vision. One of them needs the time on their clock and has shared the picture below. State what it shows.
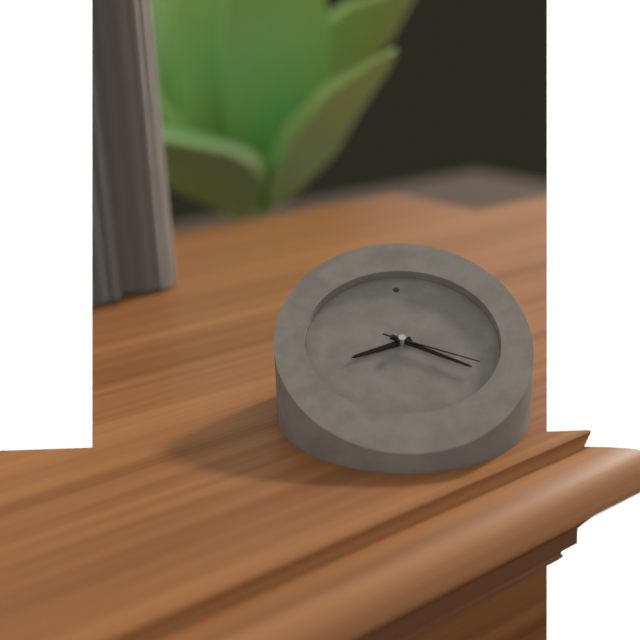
8:20:19
